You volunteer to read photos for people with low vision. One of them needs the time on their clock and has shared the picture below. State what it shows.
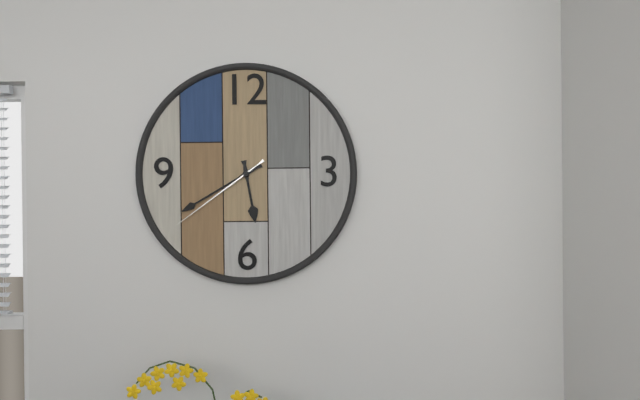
5:40:39
